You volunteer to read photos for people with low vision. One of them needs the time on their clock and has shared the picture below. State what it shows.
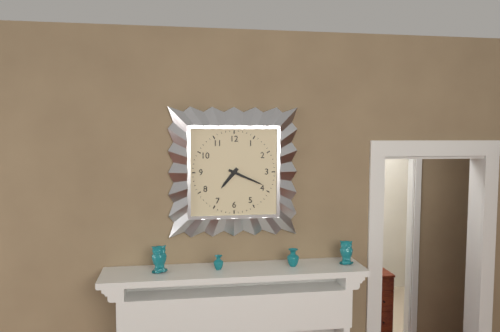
7:19
